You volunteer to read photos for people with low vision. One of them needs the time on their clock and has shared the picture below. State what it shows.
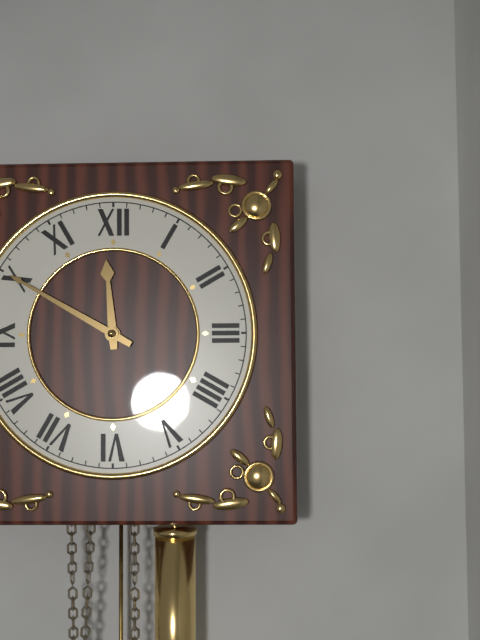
11:50
